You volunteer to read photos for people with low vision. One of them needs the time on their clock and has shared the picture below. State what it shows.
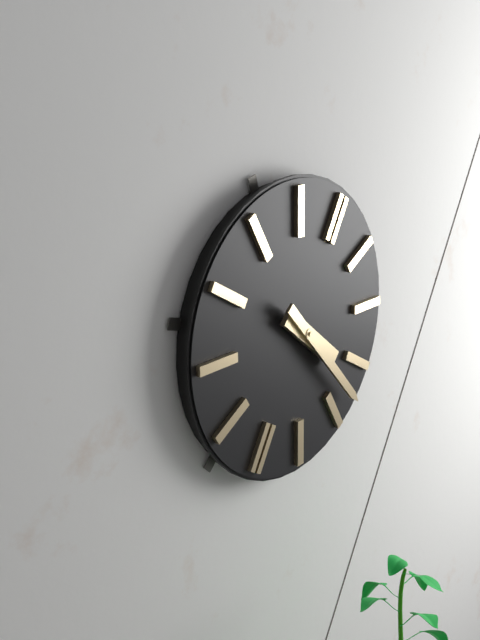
3:18
